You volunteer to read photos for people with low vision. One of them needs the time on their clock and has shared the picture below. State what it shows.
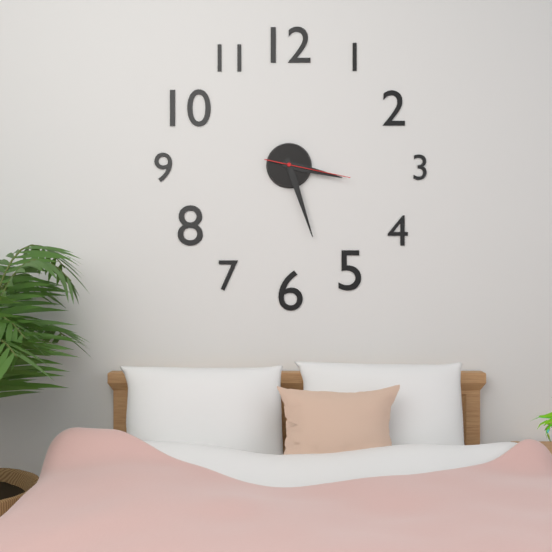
3:27:17
